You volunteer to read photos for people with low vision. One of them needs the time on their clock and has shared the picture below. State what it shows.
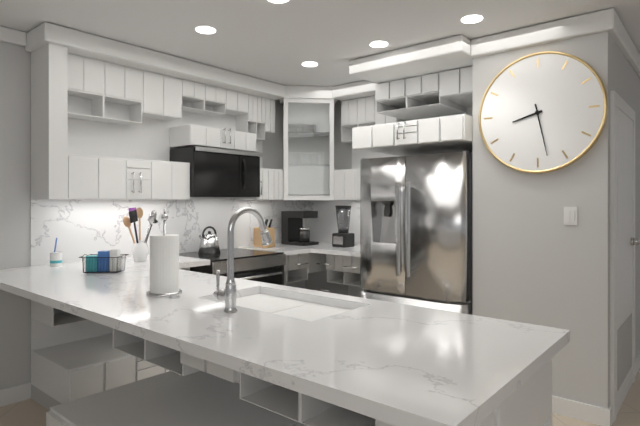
8:28
